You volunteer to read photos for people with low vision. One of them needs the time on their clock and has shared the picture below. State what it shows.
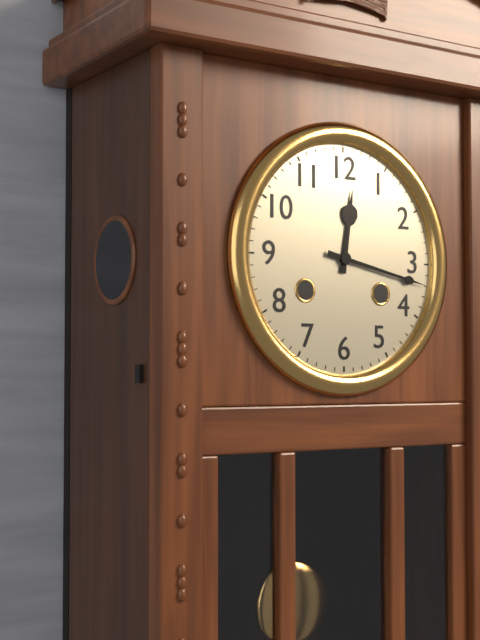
12:17
